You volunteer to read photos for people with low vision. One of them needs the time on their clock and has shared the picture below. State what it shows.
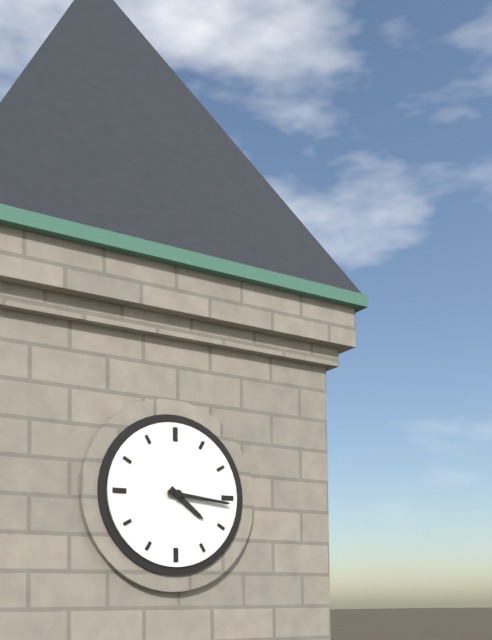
4:16
